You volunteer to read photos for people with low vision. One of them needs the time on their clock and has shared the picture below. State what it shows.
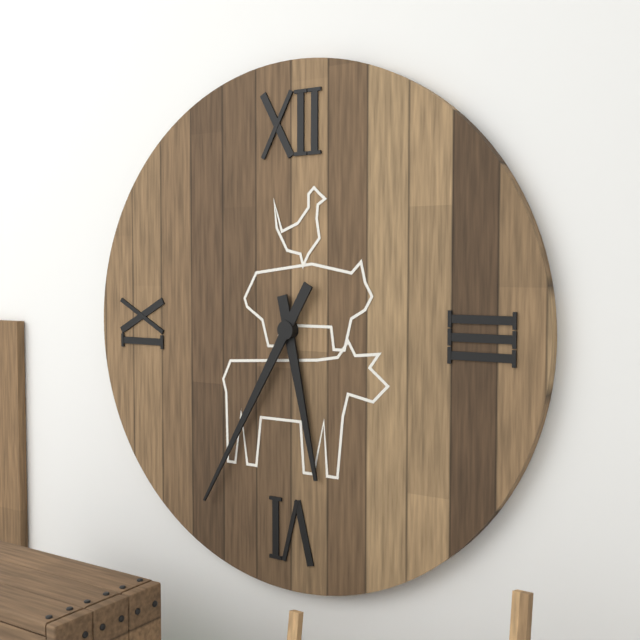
5:35
